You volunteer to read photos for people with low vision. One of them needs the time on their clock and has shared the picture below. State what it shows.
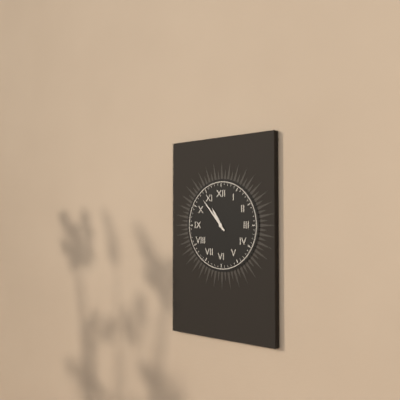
10:53
